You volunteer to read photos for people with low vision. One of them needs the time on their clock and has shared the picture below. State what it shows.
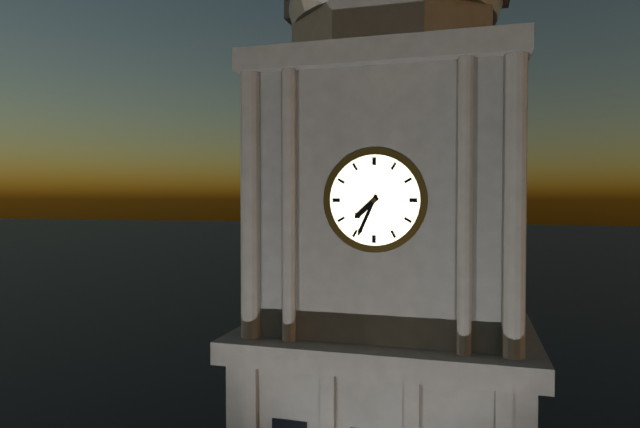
7:34
